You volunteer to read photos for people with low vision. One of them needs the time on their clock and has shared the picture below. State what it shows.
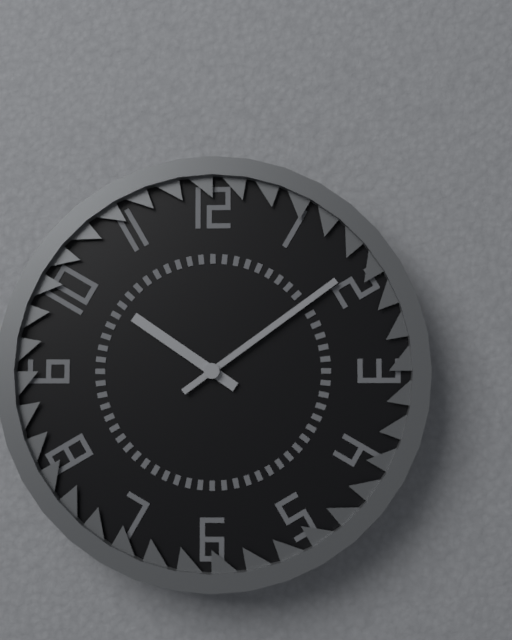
10:09
